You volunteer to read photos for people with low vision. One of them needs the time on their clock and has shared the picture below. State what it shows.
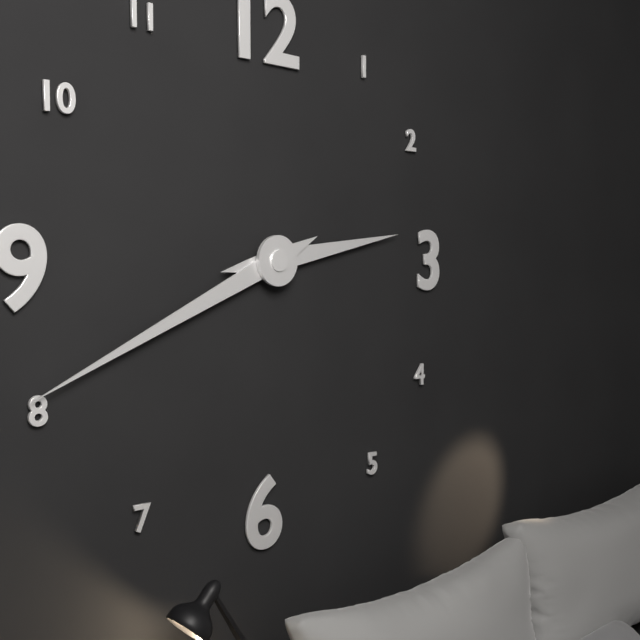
2:41
